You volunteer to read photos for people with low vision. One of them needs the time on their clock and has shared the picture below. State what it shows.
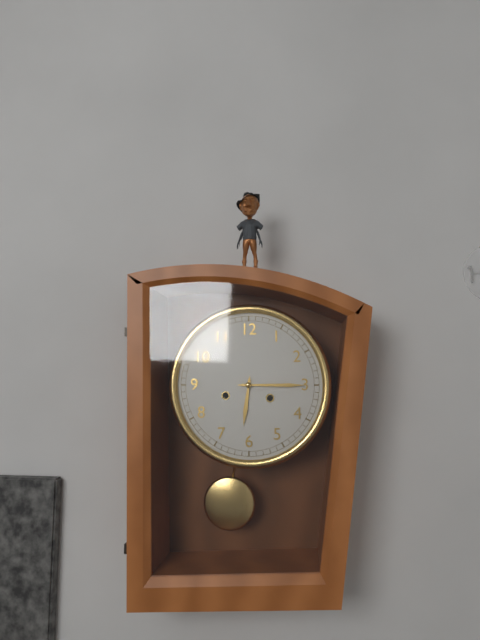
6:15
